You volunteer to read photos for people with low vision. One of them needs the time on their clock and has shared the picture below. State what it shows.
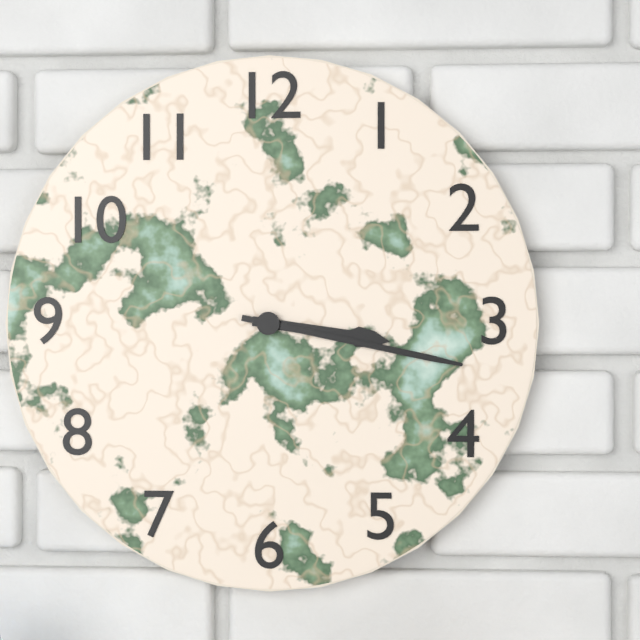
3:17
